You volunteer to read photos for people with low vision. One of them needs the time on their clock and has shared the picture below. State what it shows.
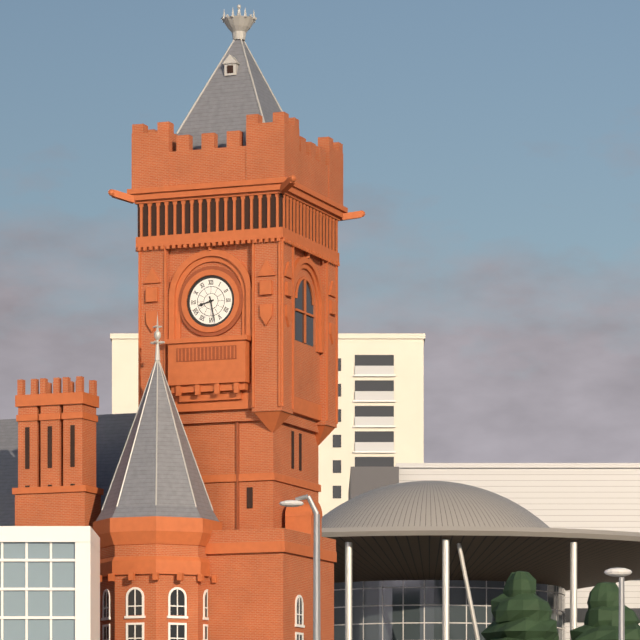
8:28
